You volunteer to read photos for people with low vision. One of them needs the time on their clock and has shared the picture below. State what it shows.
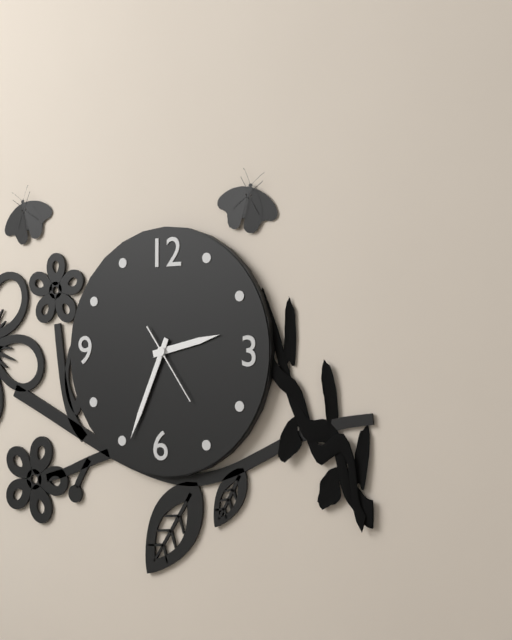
2:34:24
